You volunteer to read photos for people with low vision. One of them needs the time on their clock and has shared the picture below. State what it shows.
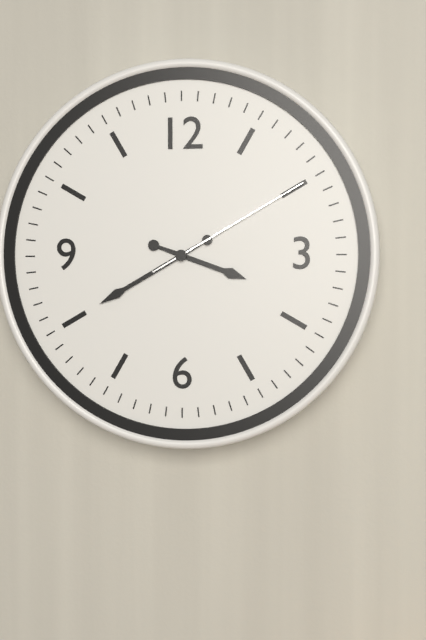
3:40:10
